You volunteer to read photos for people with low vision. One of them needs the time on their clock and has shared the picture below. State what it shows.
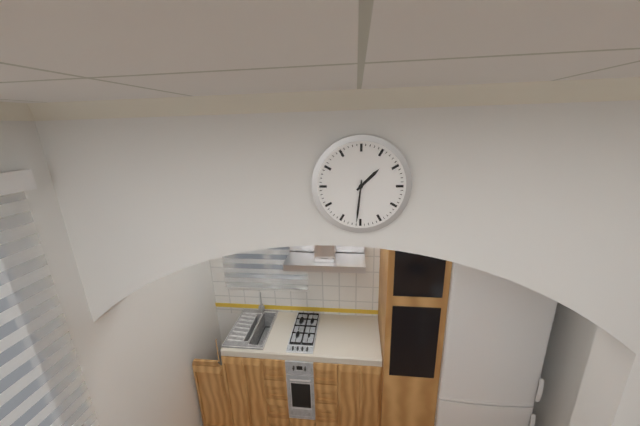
1:31
